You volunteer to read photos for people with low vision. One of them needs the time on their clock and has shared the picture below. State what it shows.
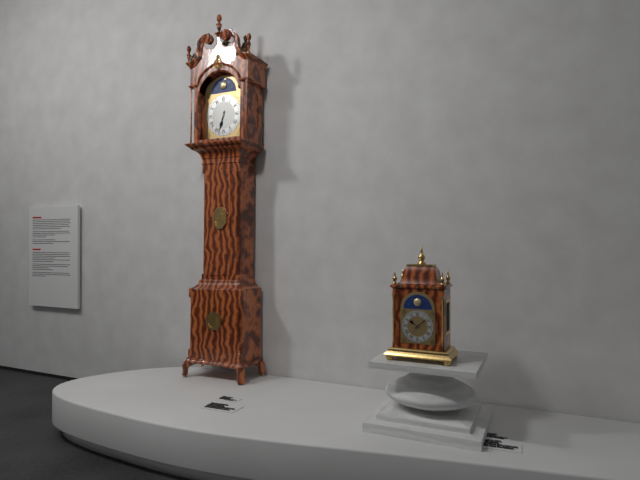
6:33
